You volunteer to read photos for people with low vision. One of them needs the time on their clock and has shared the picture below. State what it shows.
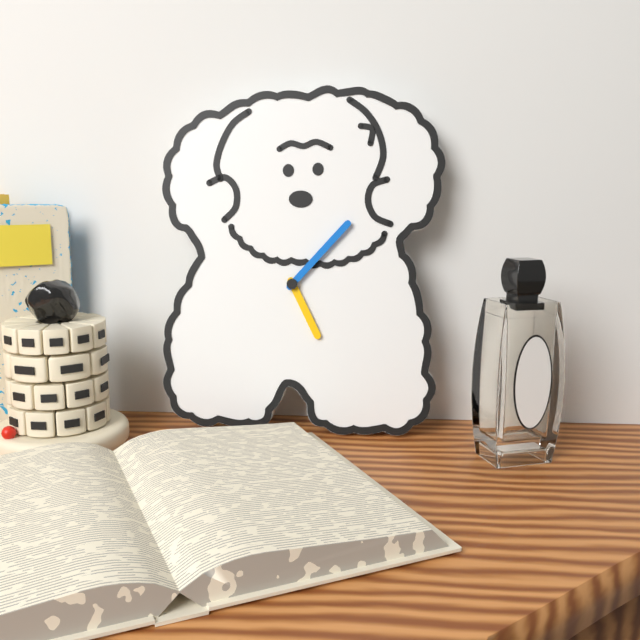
5:07
